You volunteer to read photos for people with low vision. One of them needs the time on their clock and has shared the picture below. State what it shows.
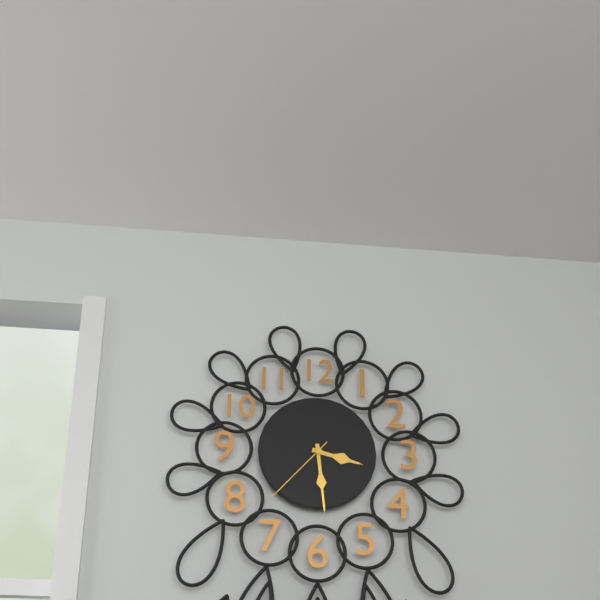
3:29:37
